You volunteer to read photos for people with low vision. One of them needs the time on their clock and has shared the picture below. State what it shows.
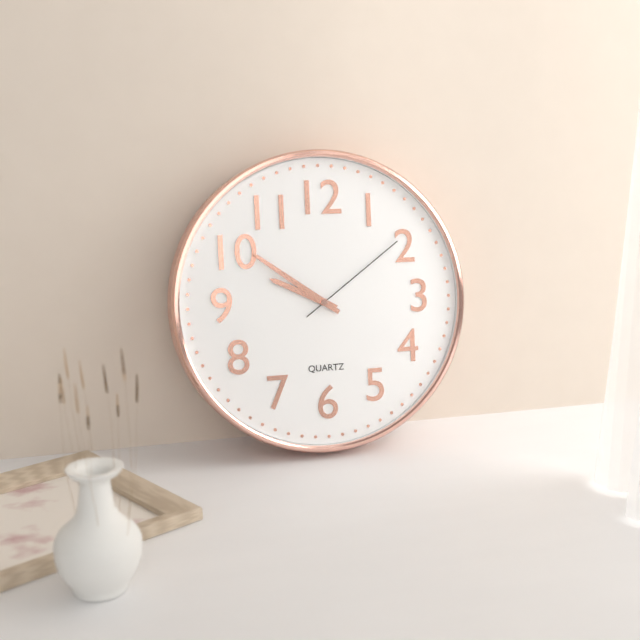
9:51:09
